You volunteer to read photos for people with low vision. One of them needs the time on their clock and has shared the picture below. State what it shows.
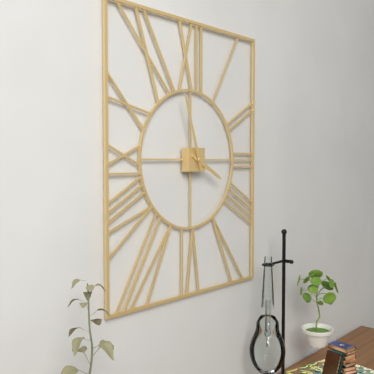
3:57
